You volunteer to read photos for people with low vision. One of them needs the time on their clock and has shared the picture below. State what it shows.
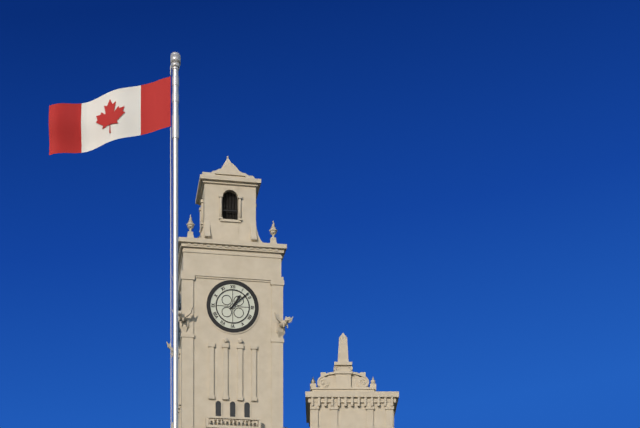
1:08
